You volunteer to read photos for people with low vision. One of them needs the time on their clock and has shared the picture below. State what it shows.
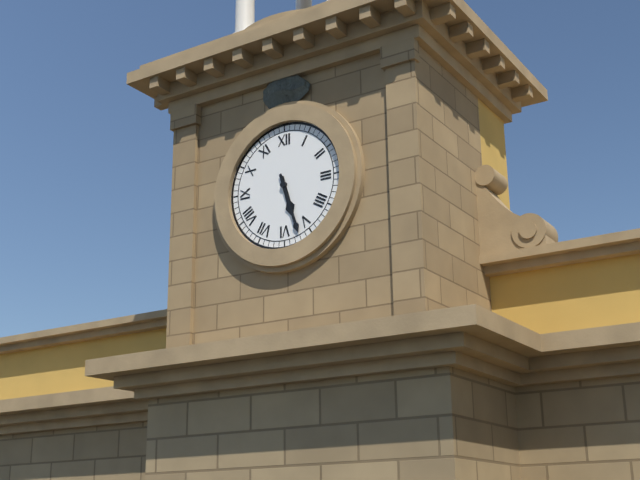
5:27
